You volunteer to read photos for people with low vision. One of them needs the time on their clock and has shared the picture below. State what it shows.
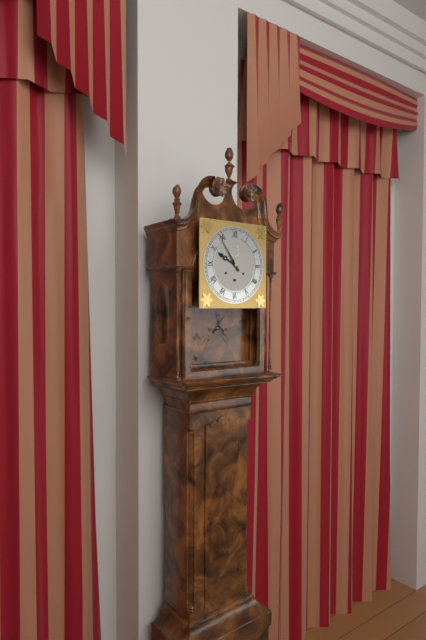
9:54
